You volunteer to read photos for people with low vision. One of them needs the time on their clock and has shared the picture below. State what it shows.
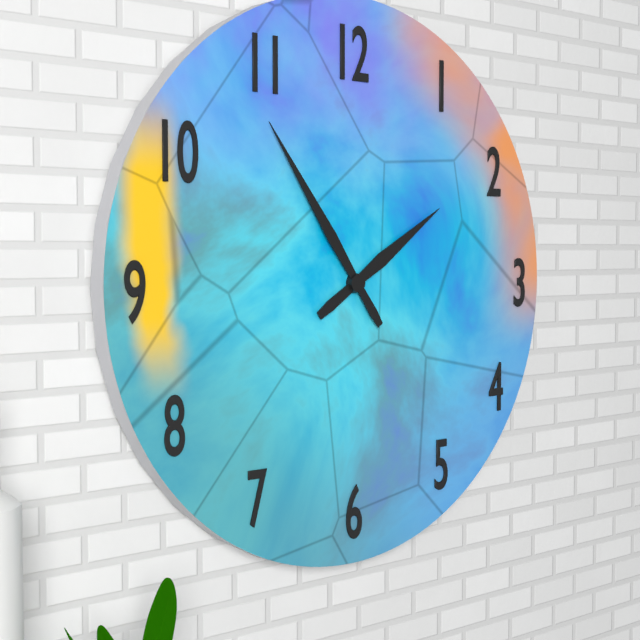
1:54
